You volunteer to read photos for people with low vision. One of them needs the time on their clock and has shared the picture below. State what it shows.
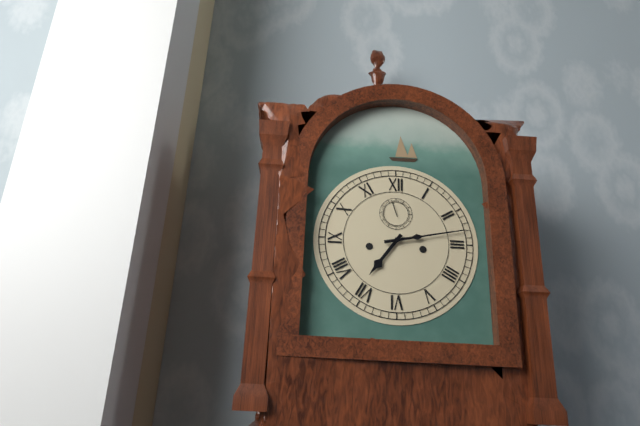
7:13
